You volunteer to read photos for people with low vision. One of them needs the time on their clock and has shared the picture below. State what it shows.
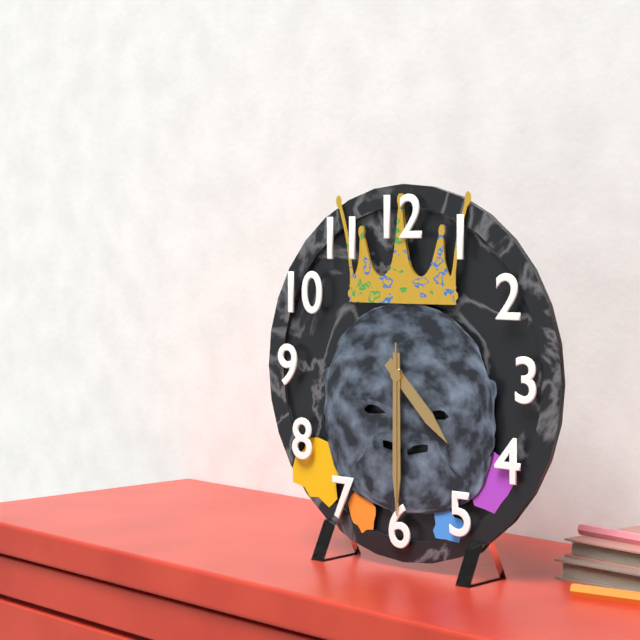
4:30:30
